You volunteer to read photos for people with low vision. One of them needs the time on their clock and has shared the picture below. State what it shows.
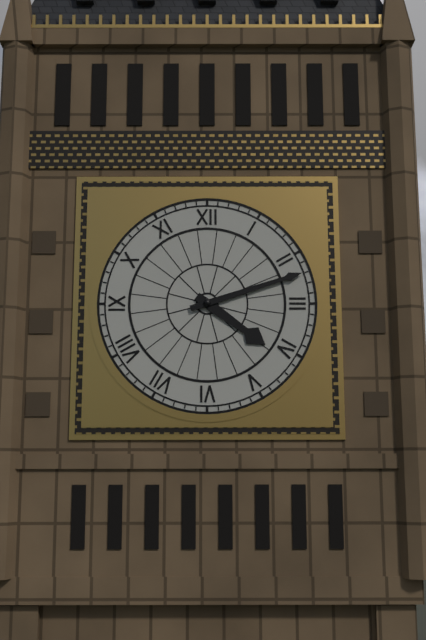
4:12
